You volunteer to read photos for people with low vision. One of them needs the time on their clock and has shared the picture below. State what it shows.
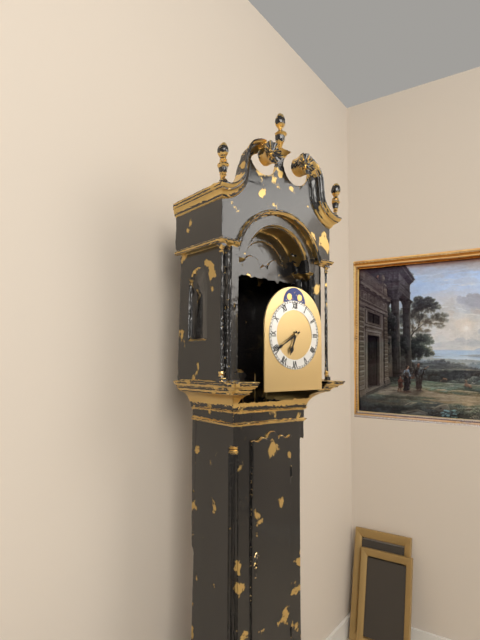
6:40
